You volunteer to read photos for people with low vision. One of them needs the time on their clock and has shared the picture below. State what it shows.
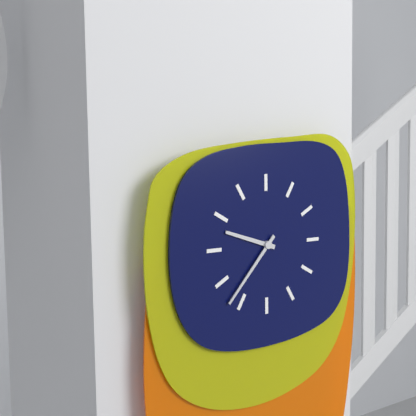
9:37
